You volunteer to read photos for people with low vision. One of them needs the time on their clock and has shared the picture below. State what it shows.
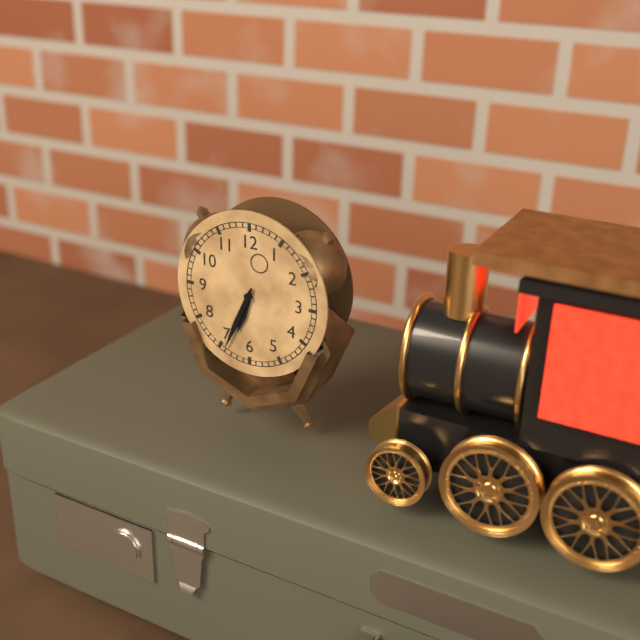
6:34
